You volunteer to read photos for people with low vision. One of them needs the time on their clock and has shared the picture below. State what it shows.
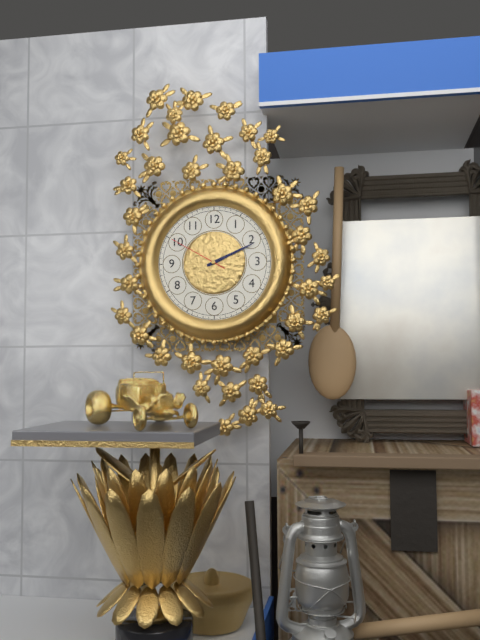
2:11:50
